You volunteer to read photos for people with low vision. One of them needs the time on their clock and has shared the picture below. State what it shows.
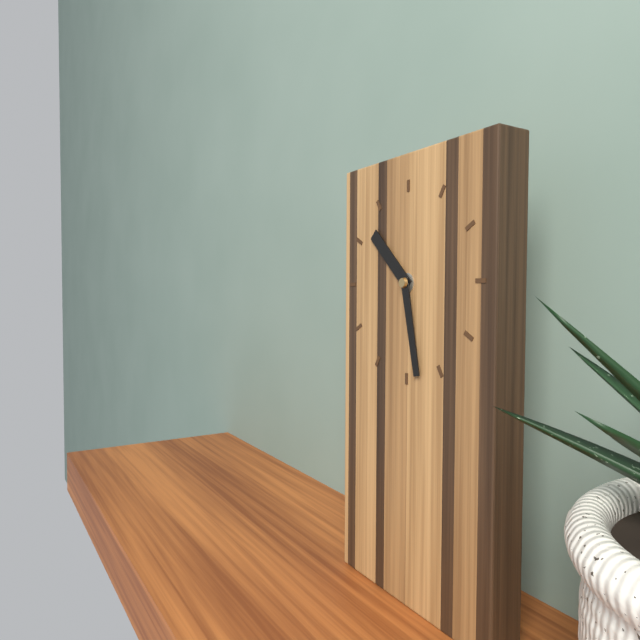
10:28
